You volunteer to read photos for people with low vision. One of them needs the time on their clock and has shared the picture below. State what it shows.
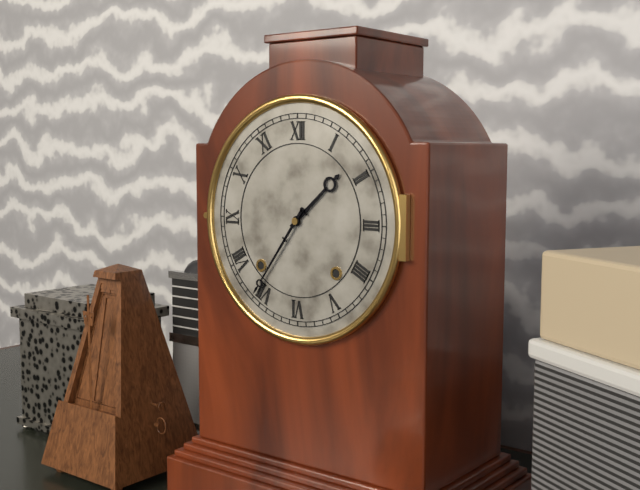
1:36
